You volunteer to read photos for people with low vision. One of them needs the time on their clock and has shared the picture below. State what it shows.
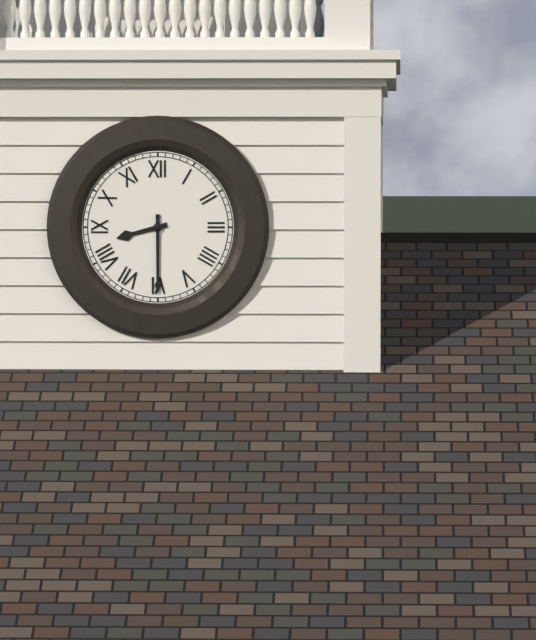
8:30
